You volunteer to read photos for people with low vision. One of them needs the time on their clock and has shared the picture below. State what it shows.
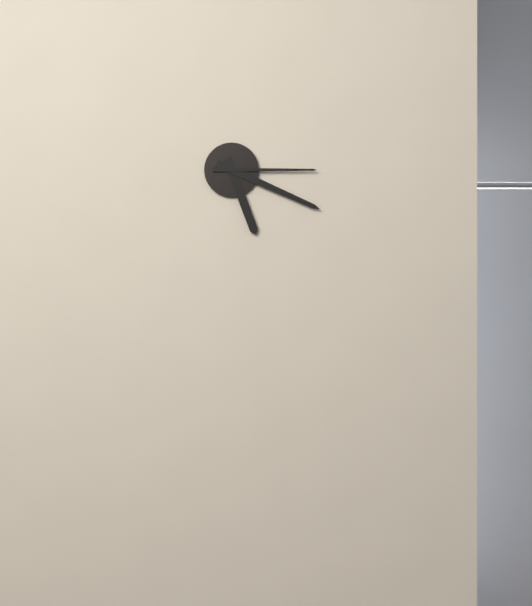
5:19:15
